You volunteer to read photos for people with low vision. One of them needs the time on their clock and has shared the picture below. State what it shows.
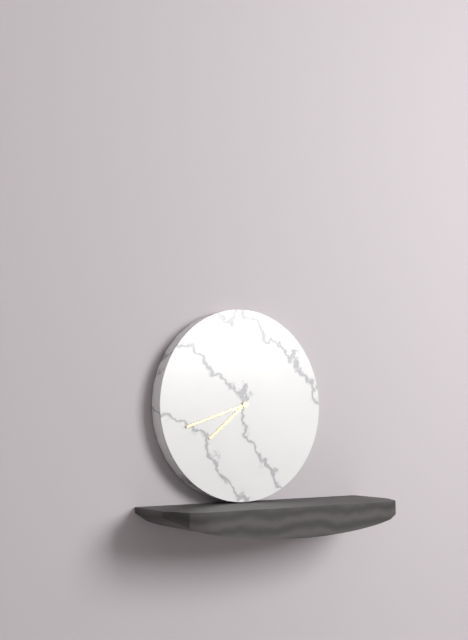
7:42
